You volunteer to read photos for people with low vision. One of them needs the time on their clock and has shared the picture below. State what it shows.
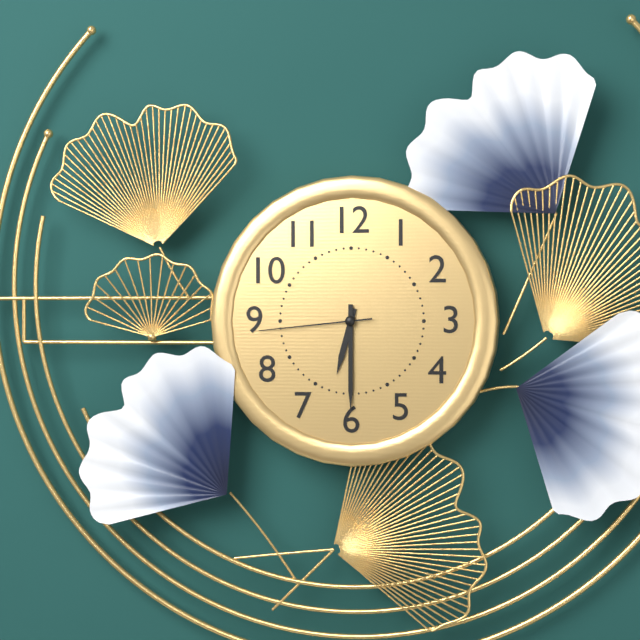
6:30:44
